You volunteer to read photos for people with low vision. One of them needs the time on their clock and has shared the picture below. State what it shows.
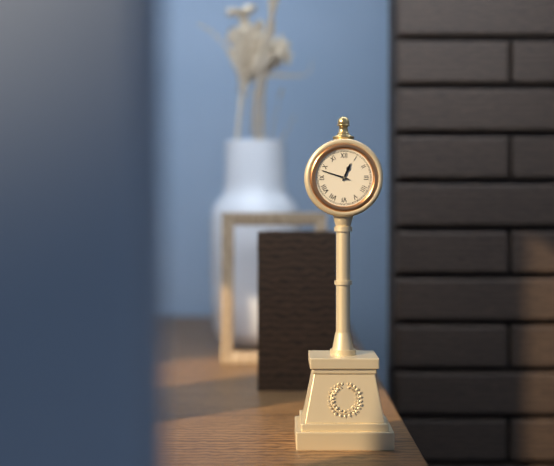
12:48
